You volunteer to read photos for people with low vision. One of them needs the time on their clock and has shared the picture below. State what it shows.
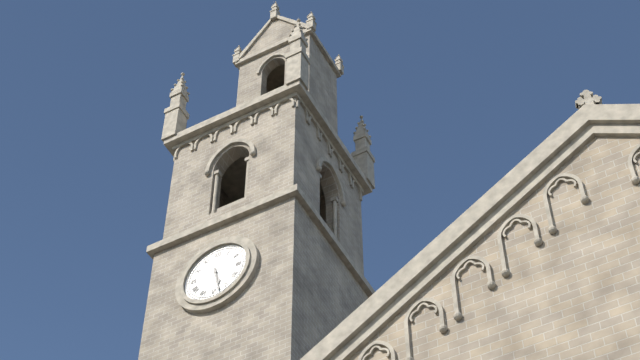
5:28
